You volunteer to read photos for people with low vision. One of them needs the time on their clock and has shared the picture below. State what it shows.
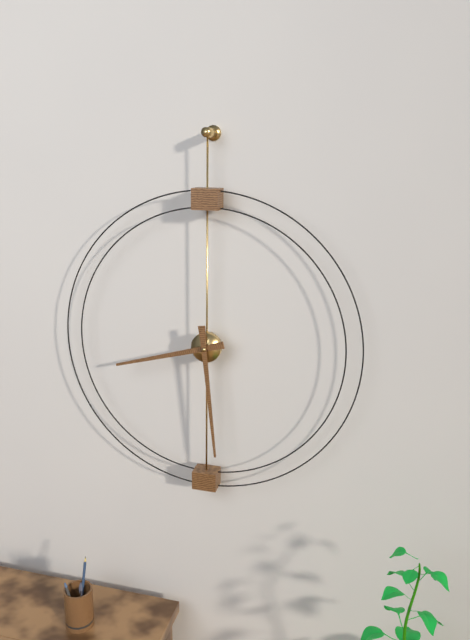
8:29
